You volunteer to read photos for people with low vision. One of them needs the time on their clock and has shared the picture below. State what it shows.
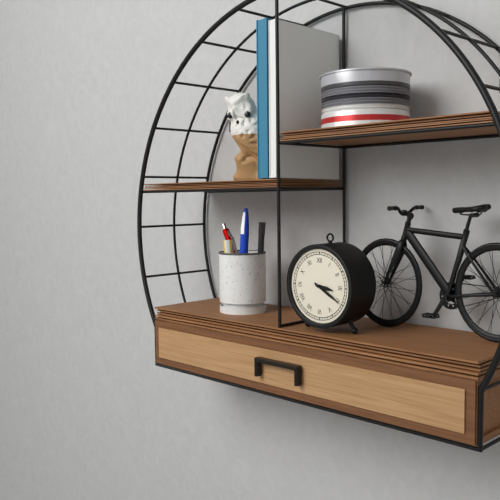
3:20
